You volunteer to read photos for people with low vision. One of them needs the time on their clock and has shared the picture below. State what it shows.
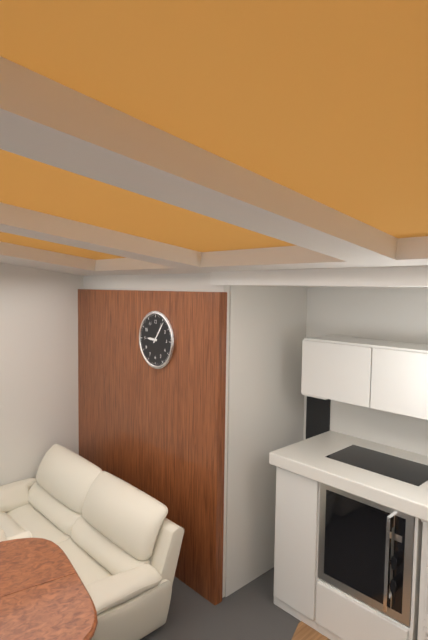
9:06
